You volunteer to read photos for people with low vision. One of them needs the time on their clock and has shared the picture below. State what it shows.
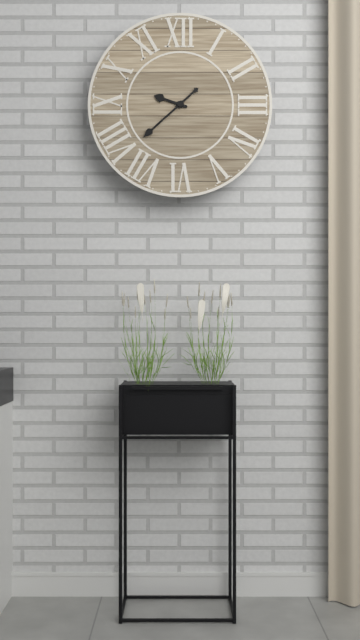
9:38
